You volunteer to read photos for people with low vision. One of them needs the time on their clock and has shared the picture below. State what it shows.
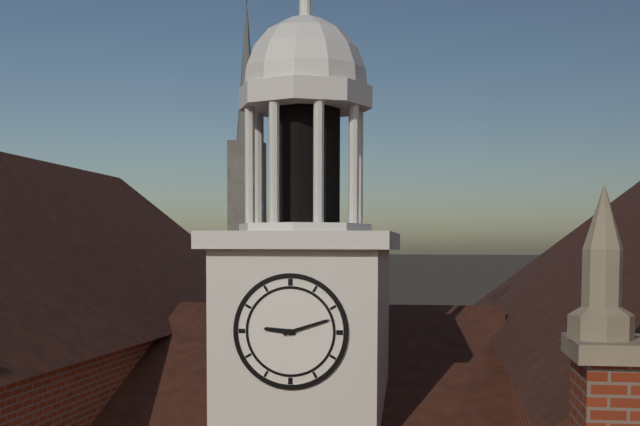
9:12
